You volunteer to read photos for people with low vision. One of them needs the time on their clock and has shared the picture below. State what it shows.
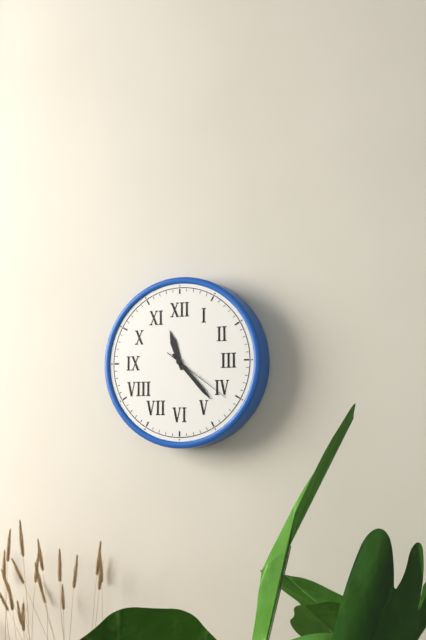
11:23:21
